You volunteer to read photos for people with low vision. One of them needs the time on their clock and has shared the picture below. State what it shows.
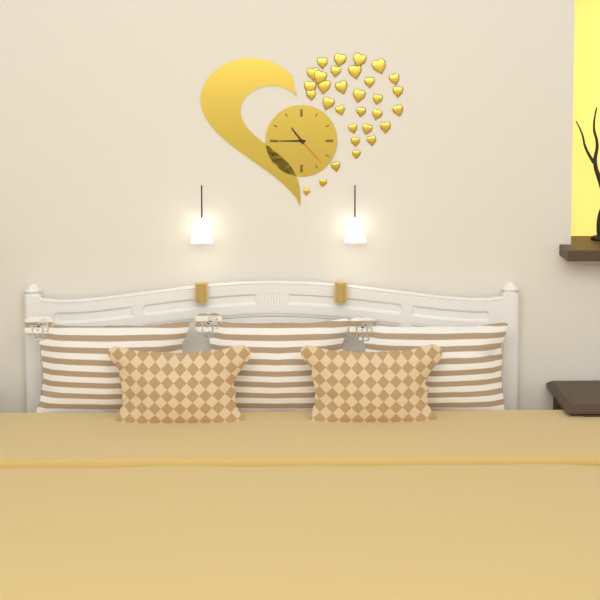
10:45
